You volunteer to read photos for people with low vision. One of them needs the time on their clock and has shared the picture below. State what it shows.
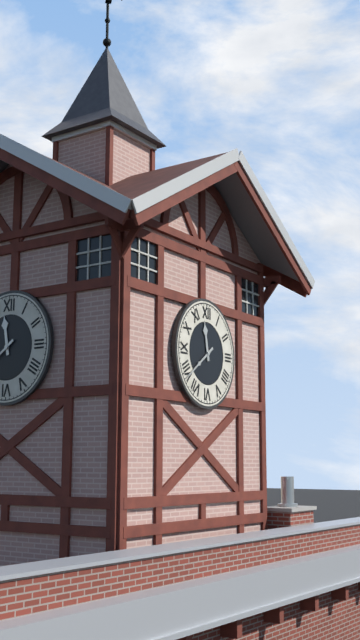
11:39
